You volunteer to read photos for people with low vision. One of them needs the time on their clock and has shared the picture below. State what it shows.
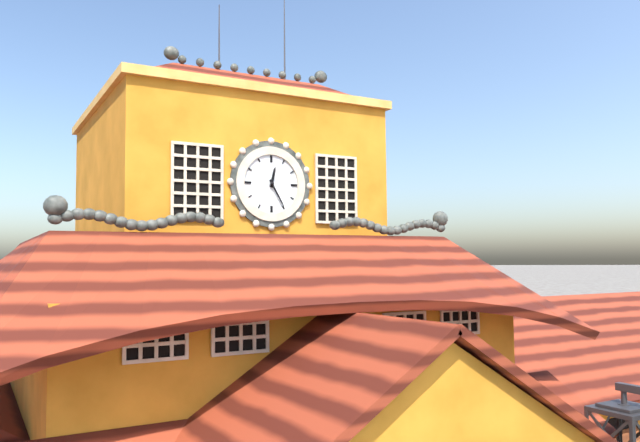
12:25
